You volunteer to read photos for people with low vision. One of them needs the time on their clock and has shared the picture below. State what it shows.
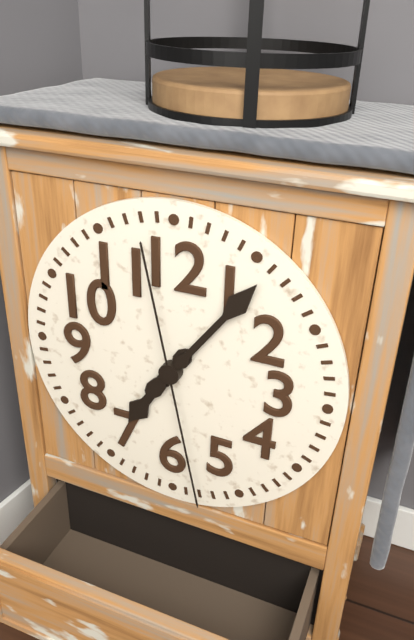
7:06:28
